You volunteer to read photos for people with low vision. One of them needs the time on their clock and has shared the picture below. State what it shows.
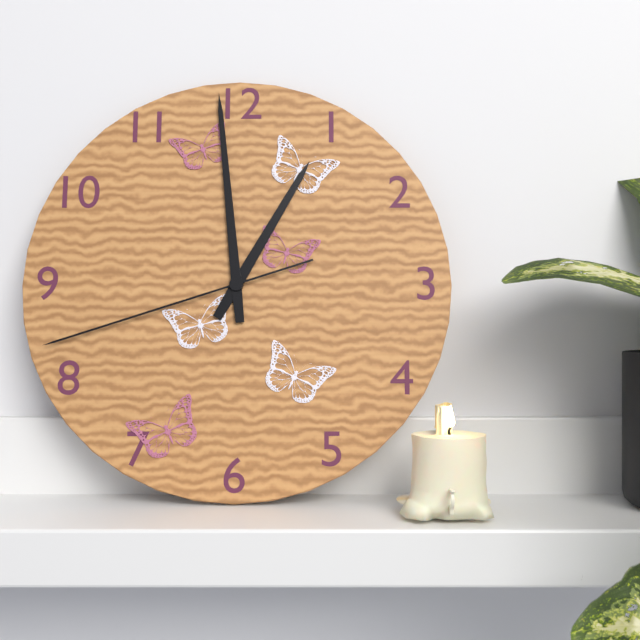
12:59:42
